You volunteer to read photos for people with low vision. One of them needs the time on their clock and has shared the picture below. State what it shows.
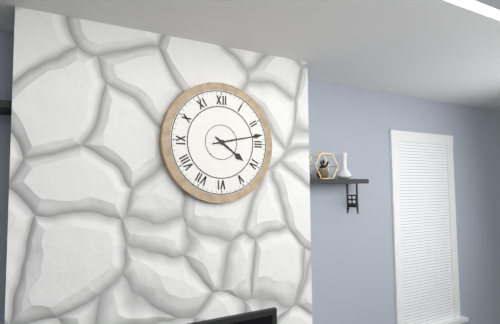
4:13
